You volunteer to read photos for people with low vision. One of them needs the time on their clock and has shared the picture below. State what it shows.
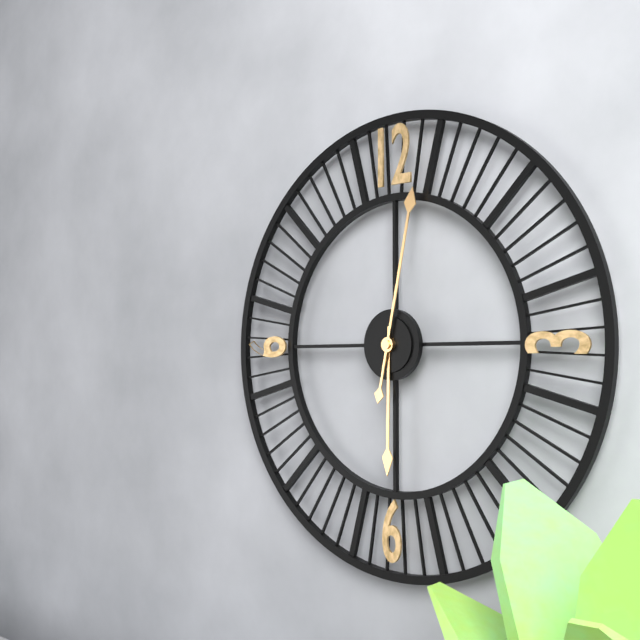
6:02
